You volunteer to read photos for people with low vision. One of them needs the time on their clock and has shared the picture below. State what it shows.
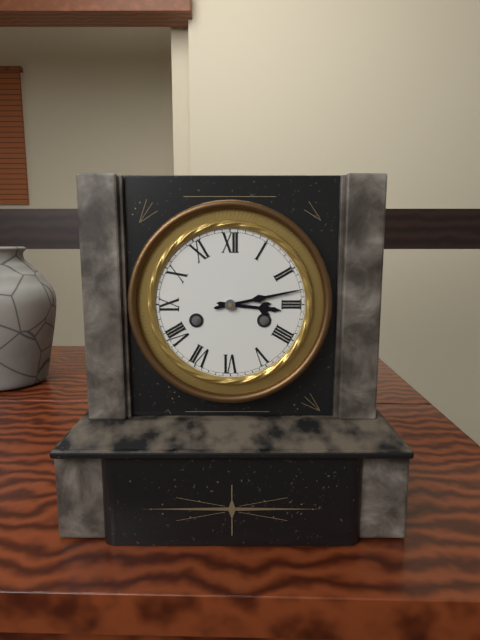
3:13
